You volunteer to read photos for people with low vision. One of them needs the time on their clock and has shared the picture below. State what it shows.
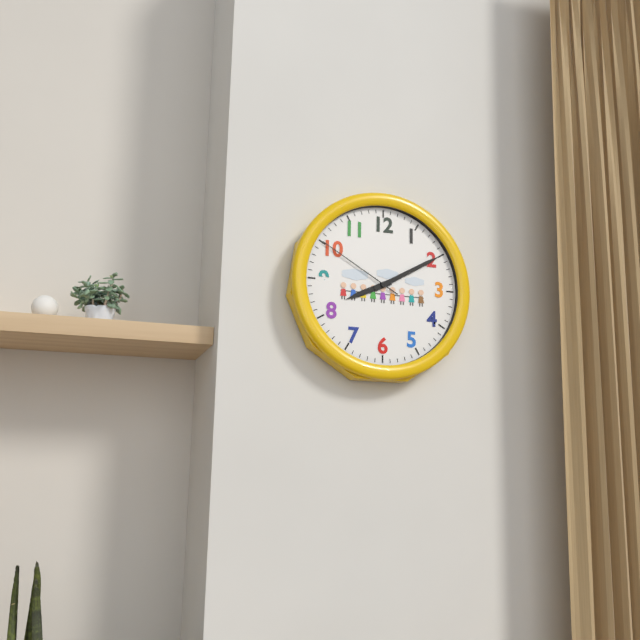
8:10:50
